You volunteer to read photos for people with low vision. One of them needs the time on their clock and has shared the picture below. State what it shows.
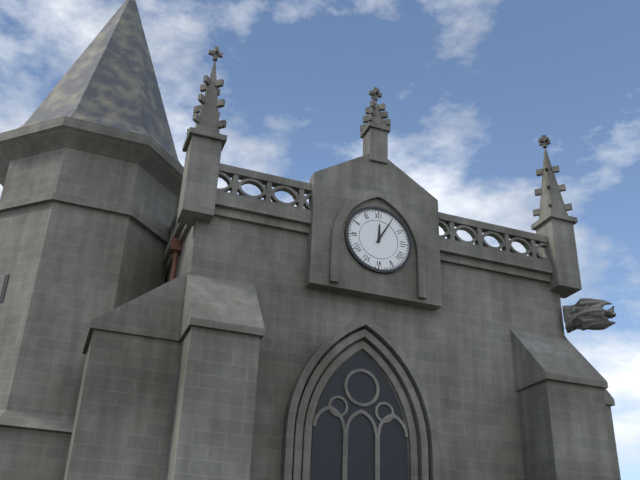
12:05
